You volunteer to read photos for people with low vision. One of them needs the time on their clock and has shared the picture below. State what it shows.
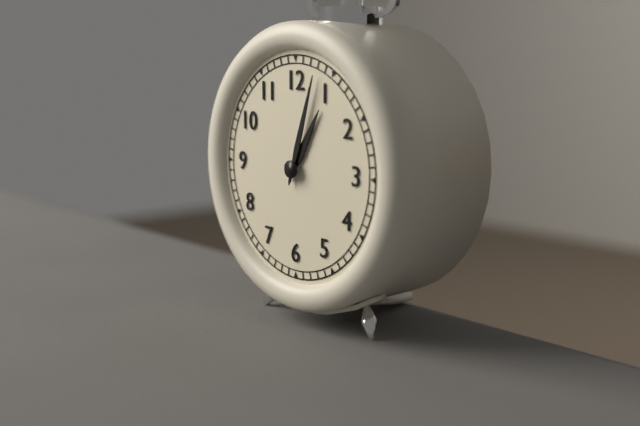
1:03
